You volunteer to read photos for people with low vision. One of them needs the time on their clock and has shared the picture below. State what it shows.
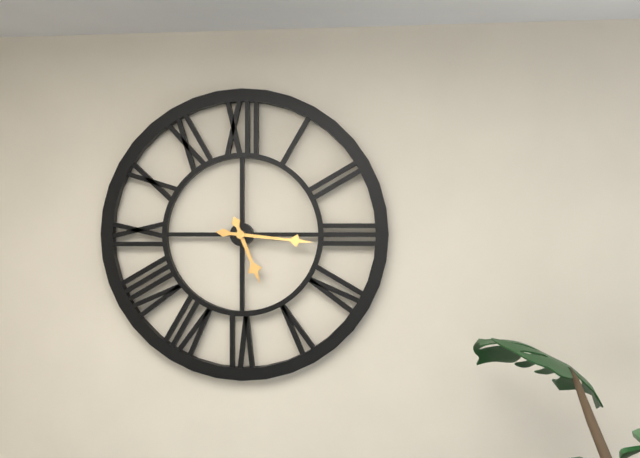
5:16
